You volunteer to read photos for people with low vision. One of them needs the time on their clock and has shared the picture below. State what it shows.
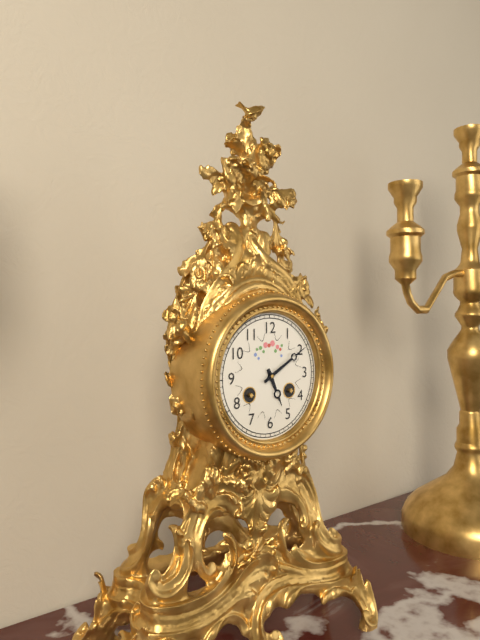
5:10
